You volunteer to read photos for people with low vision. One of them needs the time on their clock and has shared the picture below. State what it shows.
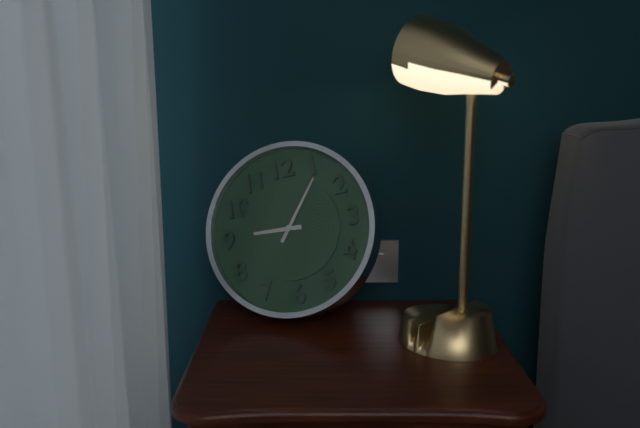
9:06
